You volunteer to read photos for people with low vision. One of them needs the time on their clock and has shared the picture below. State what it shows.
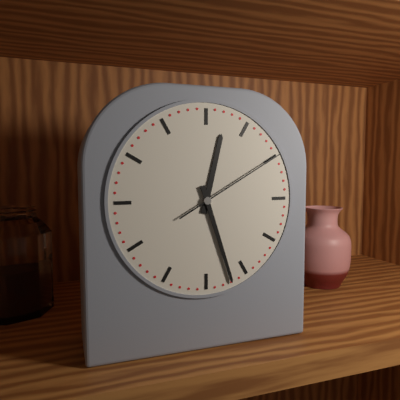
12:27:10
